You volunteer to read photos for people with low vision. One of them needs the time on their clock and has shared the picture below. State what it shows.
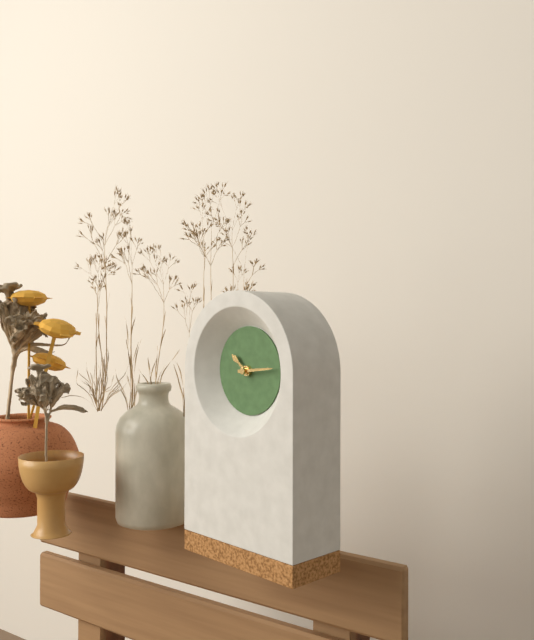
10:14
